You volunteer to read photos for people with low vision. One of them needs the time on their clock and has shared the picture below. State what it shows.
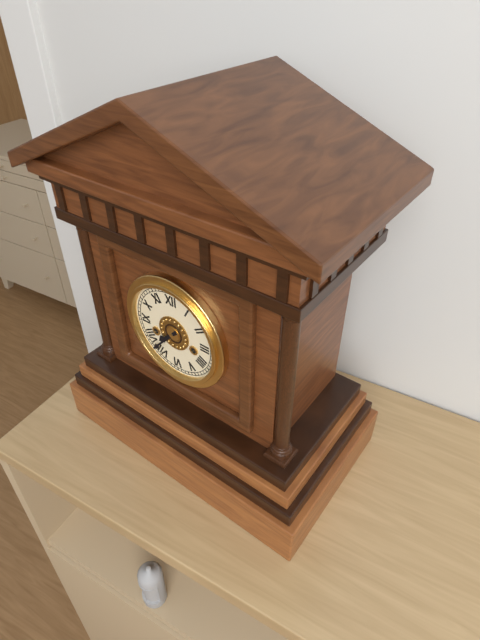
7:37
